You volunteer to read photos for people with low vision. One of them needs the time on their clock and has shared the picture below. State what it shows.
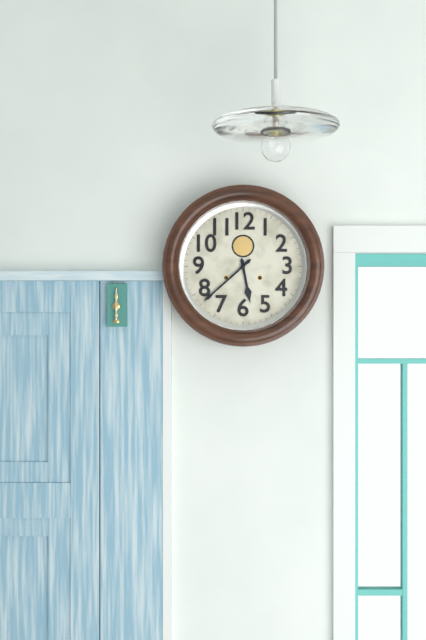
5:38
